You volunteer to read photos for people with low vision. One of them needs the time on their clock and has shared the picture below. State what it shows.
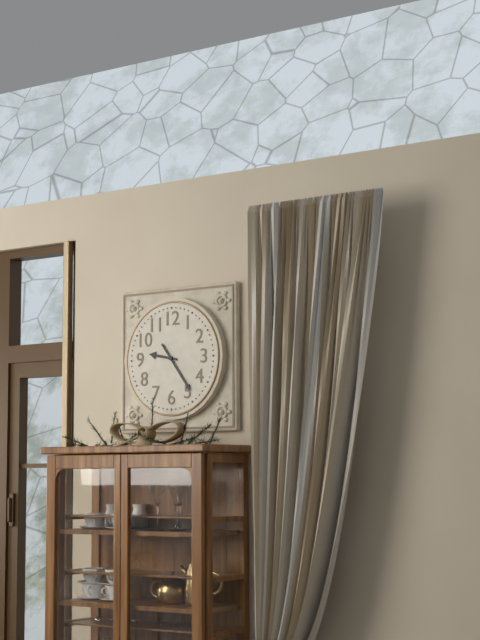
9:24
